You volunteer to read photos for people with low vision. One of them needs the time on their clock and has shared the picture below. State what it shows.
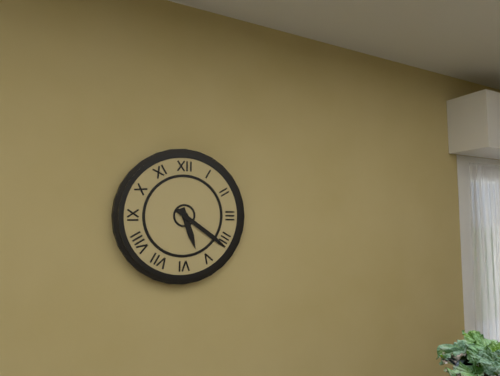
5:21
